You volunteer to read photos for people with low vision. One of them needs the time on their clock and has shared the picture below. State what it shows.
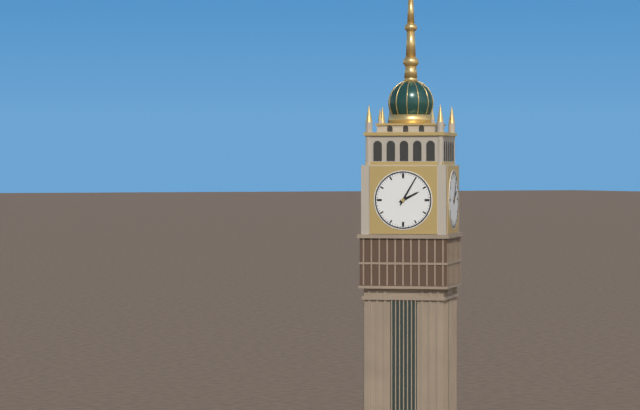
2:05
